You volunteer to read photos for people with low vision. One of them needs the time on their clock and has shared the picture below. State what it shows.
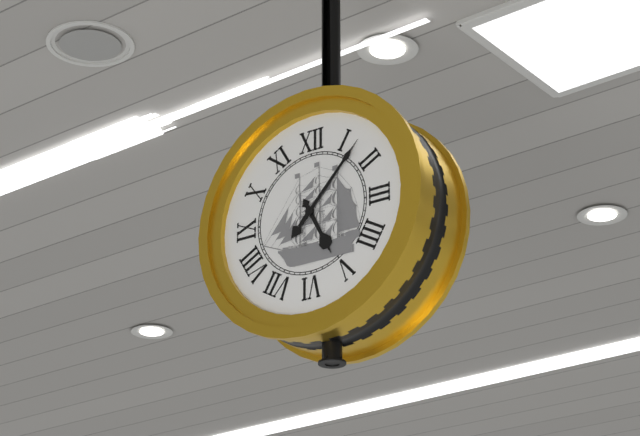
5:07
